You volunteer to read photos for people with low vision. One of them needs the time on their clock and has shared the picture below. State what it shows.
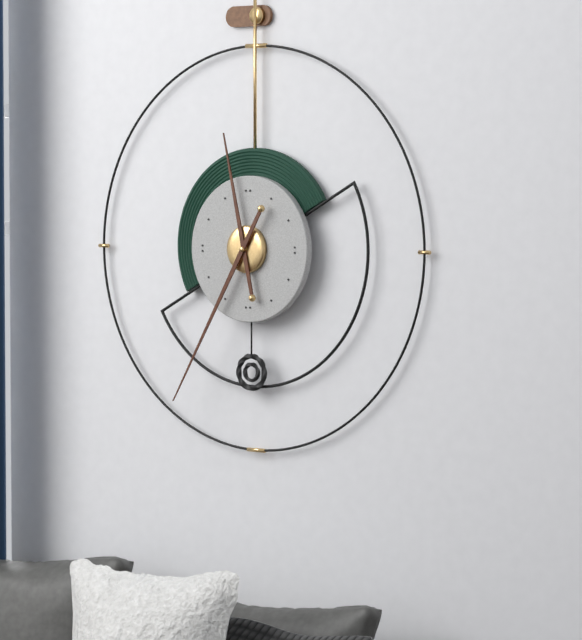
11:35
